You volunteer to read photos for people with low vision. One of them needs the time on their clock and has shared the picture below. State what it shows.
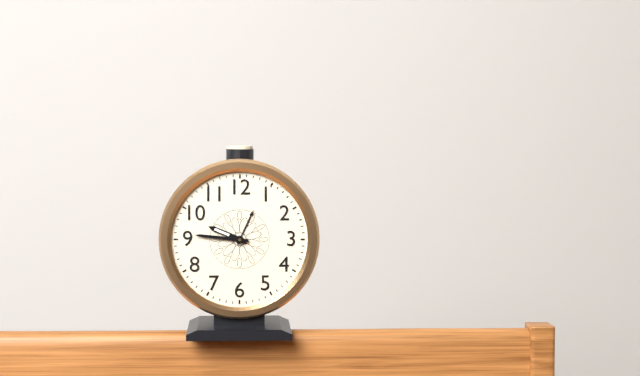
9:46
